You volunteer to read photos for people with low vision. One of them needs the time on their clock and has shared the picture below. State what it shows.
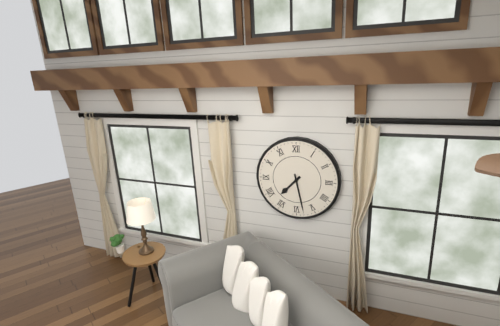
7:28
